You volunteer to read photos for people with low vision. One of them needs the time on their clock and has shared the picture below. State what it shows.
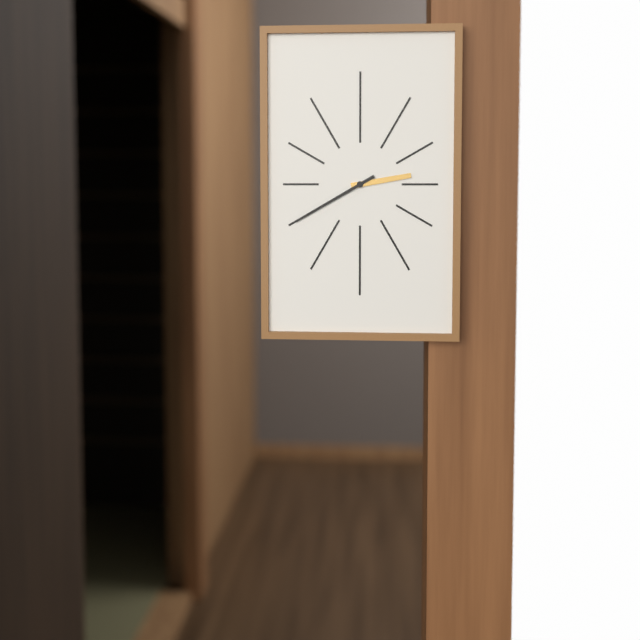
2:40
